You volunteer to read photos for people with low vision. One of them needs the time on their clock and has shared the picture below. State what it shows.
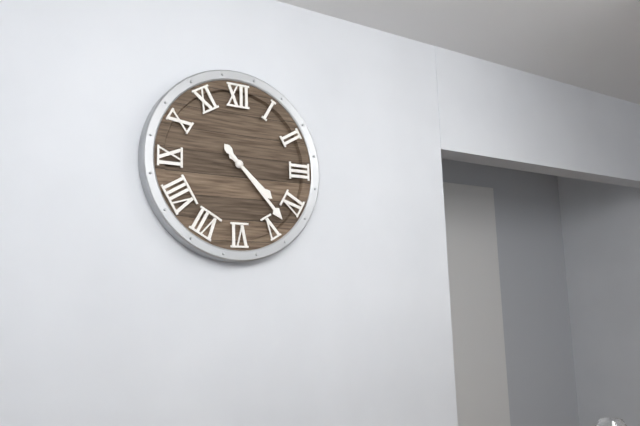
4:23
